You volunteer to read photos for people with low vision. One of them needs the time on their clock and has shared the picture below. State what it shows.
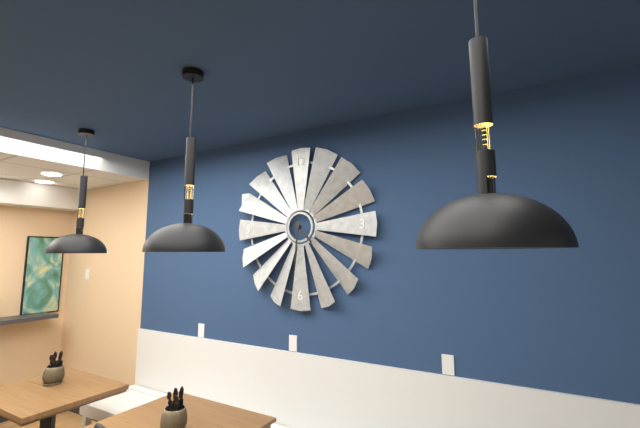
4:31
